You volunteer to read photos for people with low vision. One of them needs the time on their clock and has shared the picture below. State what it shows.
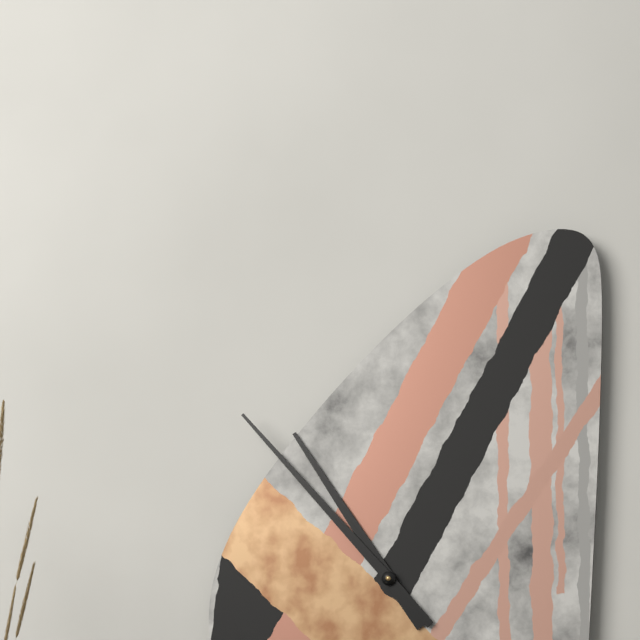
10:53
